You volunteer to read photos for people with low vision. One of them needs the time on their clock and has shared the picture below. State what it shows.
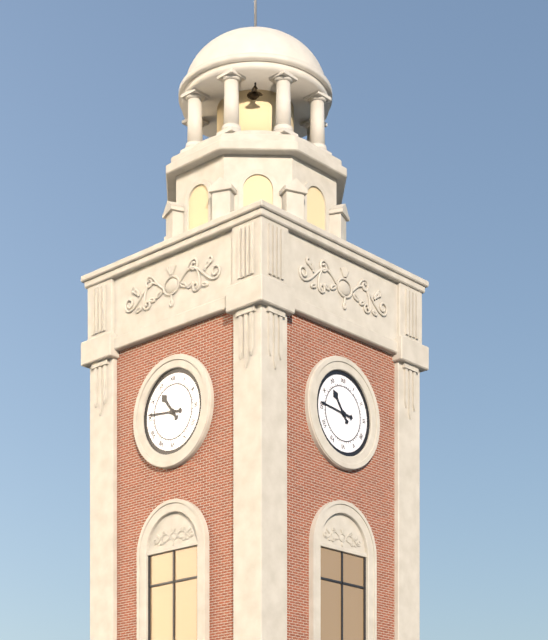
10:46
